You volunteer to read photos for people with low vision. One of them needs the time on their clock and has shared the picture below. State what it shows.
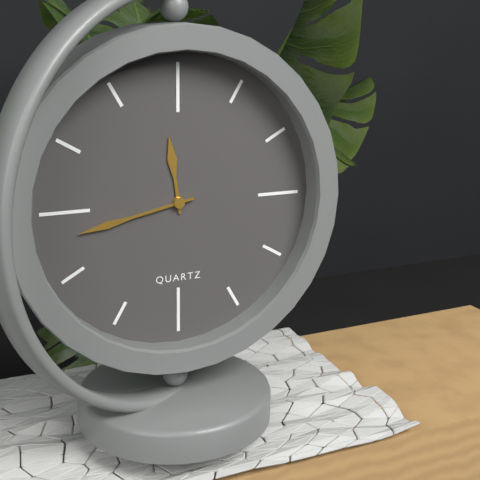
11:43
